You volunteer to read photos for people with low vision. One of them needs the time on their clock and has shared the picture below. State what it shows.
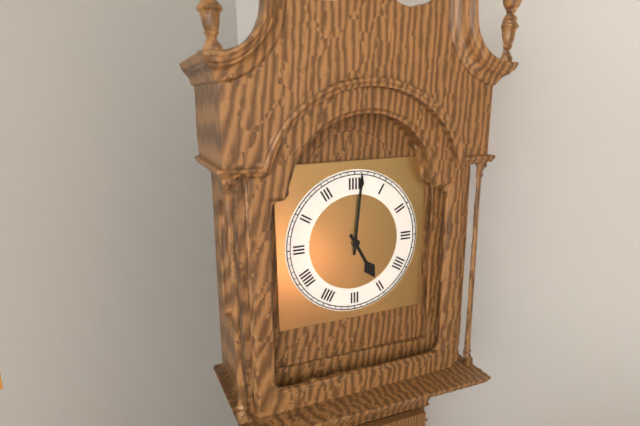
5:01
